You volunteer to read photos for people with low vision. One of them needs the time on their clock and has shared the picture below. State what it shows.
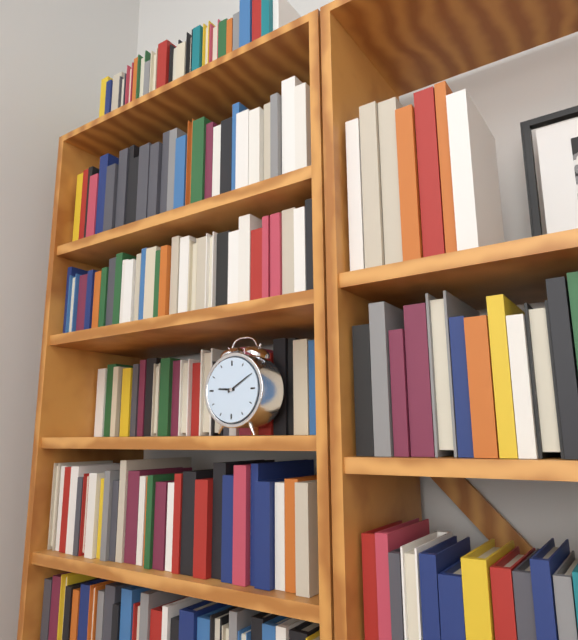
9:10
